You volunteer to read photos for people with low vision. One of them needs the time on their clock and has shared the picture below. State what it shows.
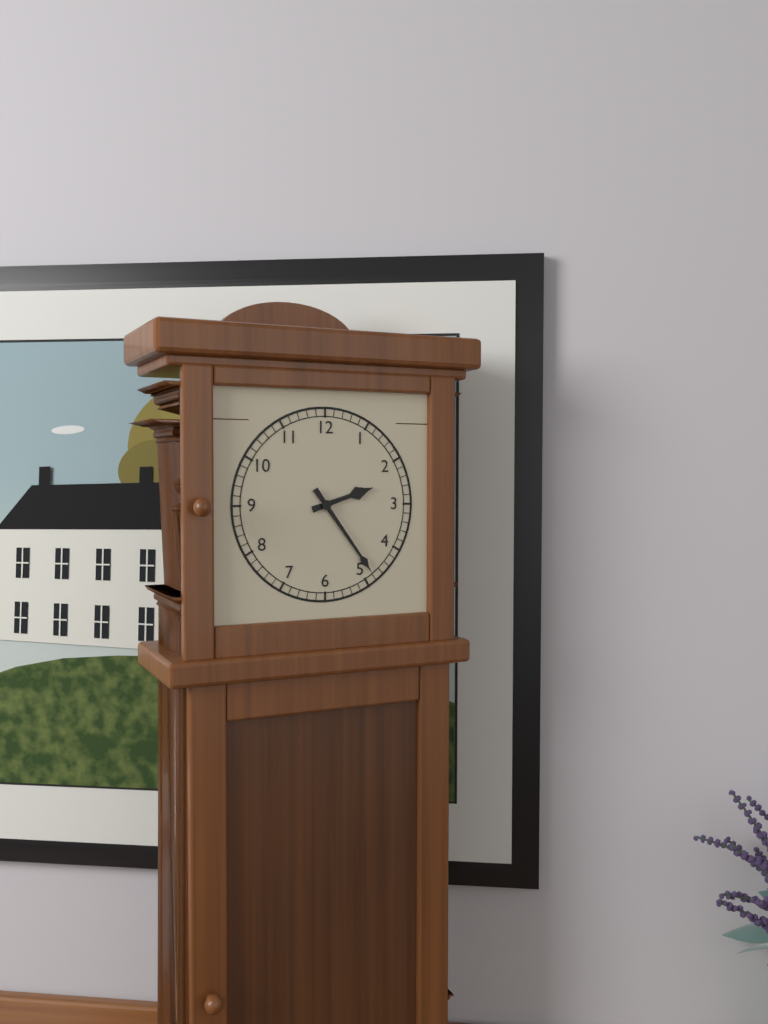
2:24
